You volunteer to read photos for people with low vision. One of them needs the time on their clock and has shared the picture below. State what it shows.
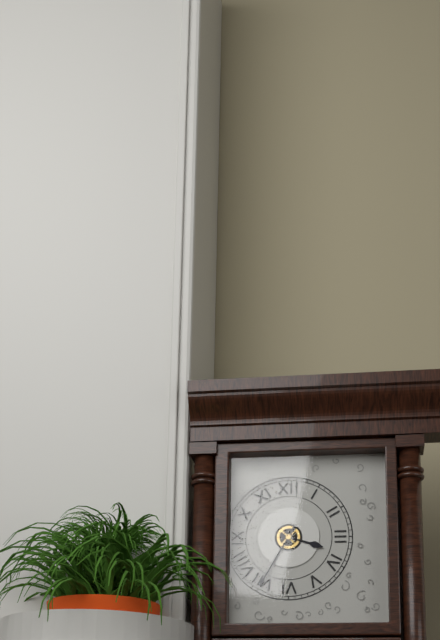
3:35
